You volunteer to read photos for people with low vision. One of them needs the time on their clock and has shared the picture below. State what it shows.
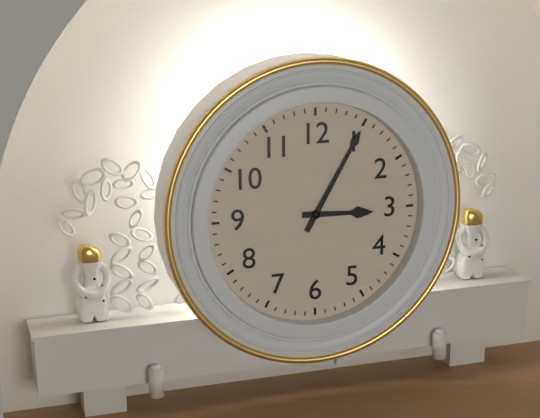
3:05
